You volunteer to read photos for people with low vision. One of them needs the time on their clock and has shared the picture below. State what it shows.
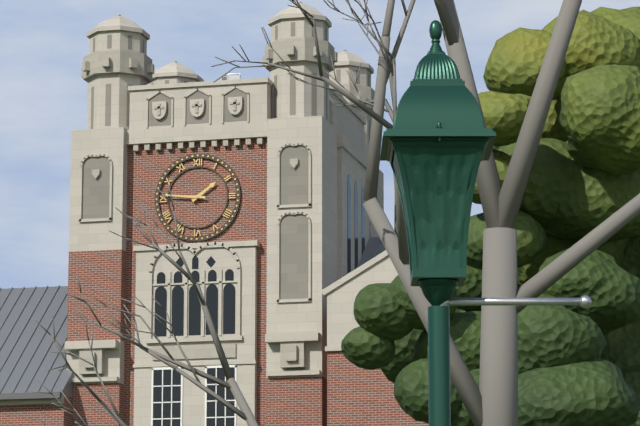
1:46
